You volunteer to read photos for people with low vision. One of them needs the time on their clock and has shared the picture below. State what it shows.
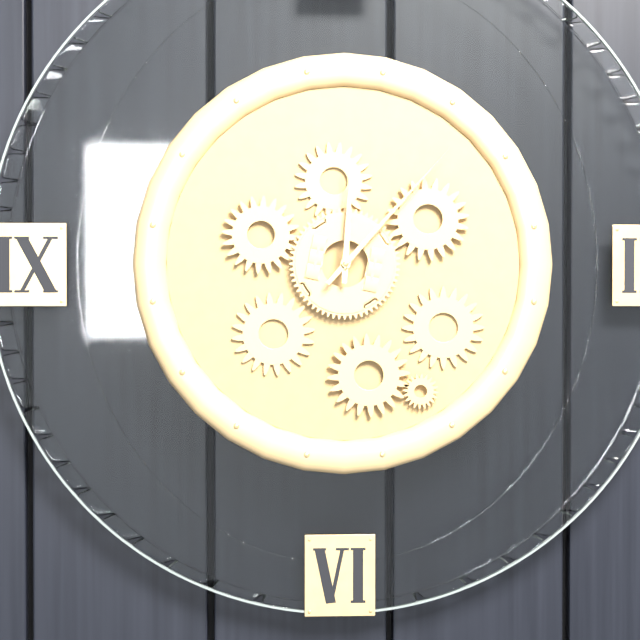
12:07
